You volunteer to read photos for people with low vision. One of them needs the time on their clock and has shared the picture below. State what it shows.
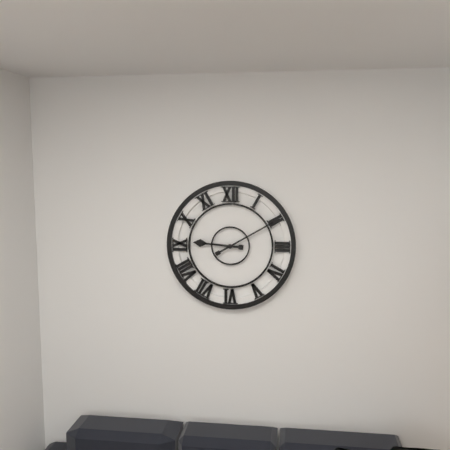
9:10
